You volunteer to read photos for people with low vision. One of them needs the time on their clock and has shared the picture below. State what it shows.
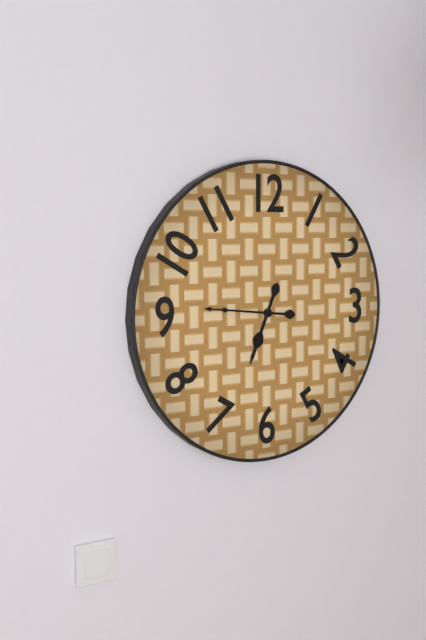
6:46
